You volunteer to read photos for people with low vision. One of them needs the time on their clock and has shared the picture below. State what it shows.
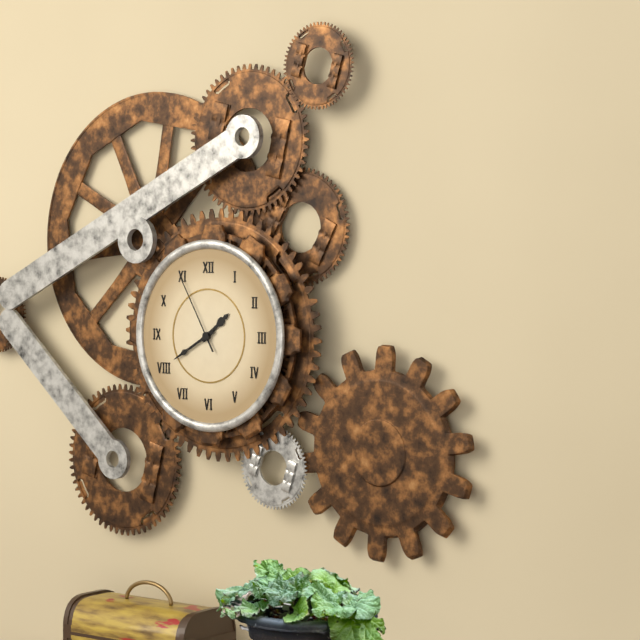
1:40:55
